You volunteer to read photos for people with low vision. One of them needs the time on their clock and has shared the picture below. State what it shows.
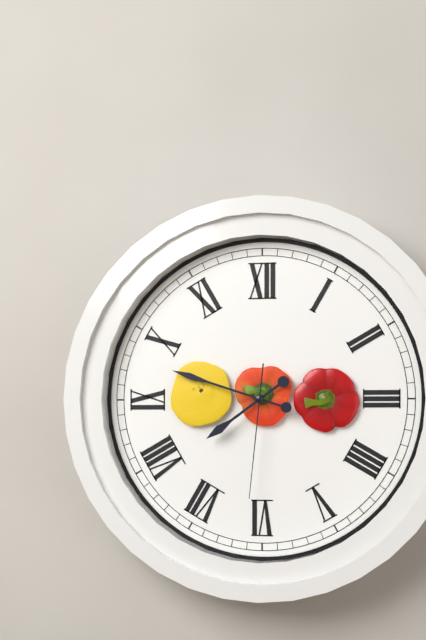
7:48:31
